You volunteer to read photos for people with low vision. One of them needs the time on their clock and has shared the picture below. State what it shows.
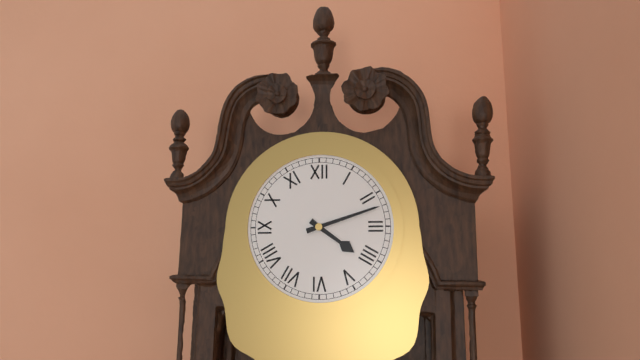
4:12
